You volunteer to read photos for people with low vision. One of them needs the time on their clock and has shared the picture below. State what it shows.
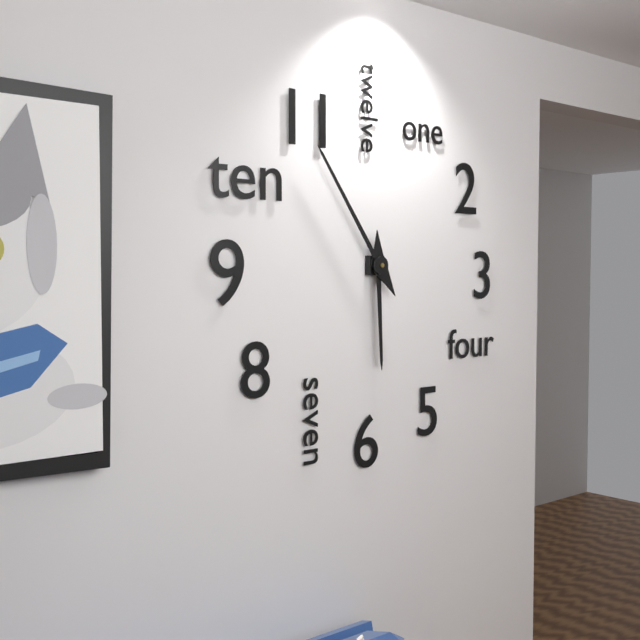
5:54
